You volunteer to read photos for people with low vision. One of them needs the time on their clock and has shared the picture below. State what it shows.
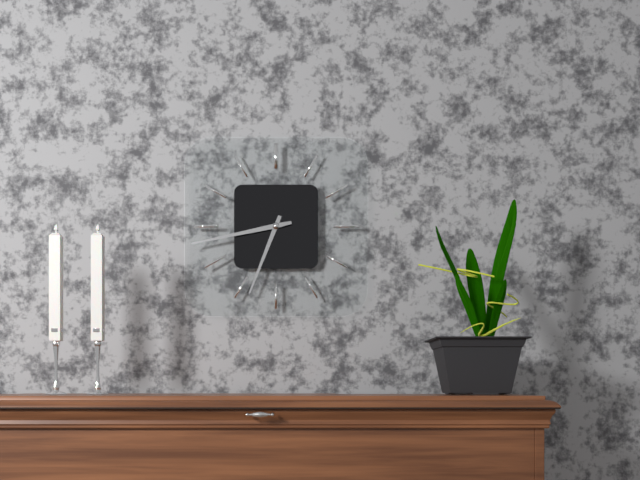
6:43
